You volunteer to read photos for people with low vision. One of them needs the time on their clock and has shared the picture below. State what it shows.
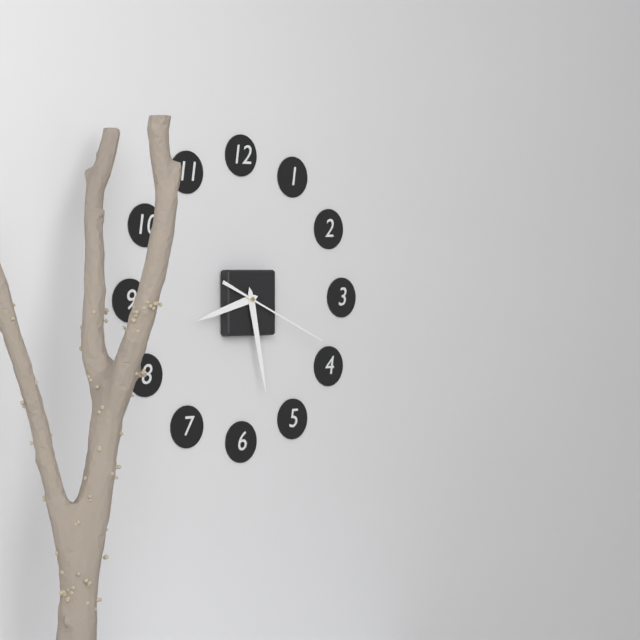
8:28:19
